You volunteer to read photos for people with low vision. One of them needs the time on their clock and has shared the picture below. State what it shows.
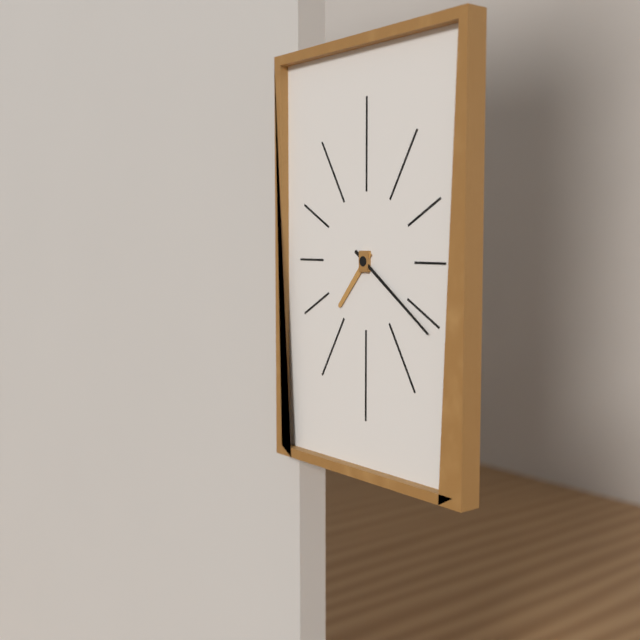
7:21
